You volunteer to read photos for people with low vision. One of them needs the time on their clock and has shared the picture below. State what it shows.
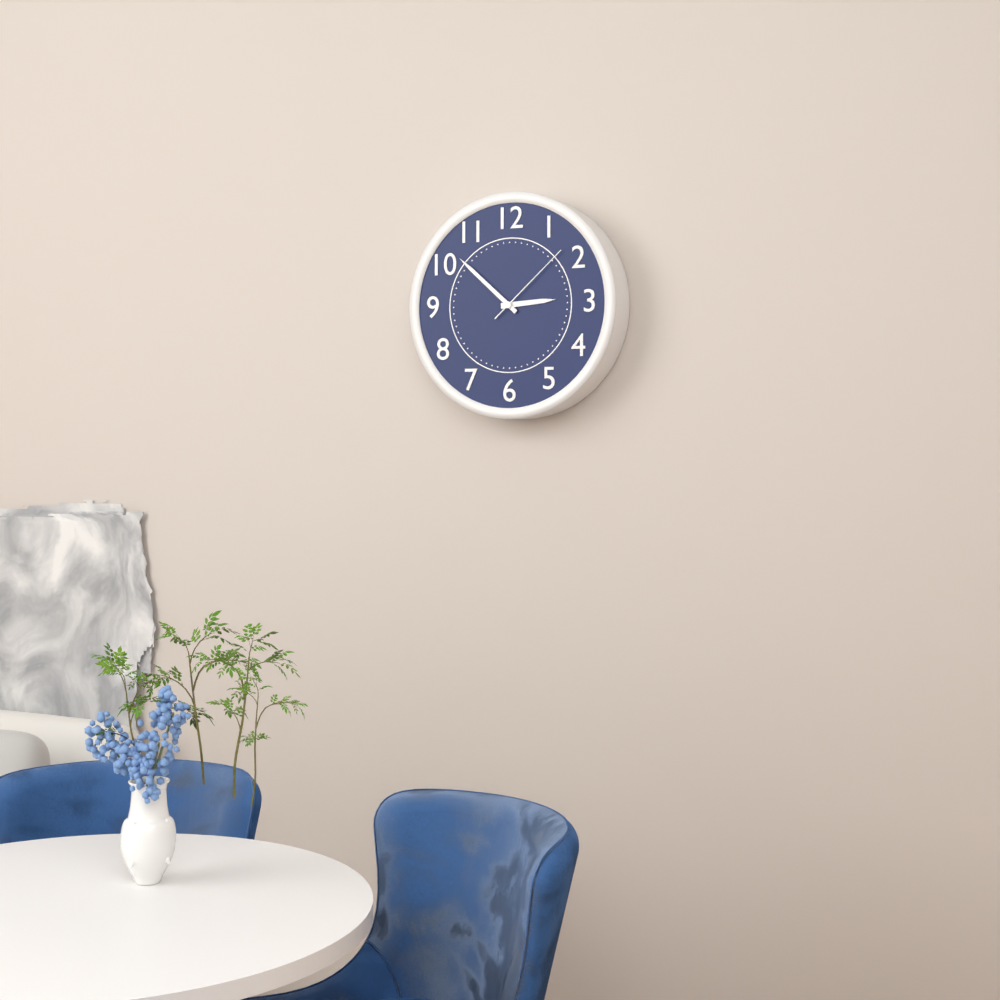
2:52:08
